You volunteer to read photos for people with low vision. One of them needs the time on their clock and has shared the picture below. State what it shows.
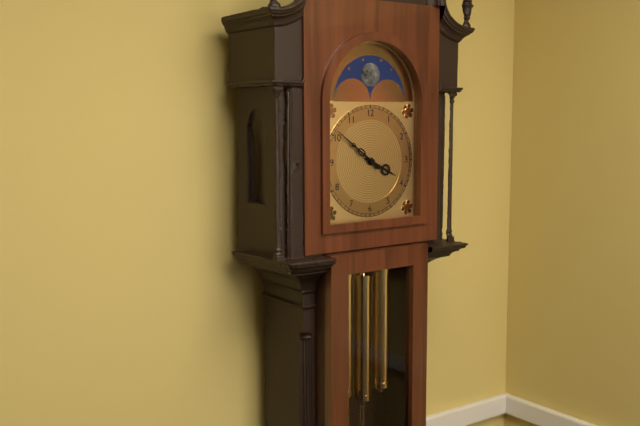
3:51
